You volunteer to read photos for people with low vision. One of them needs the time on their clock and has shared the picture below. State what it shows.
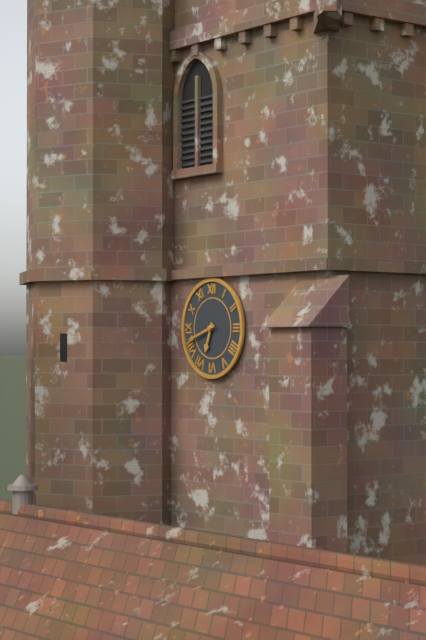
6:42
